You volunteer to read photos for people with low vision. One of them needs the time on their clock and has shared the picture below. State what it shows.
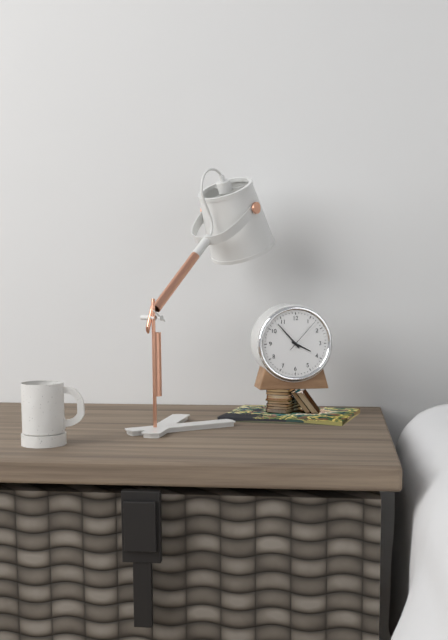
3:53
